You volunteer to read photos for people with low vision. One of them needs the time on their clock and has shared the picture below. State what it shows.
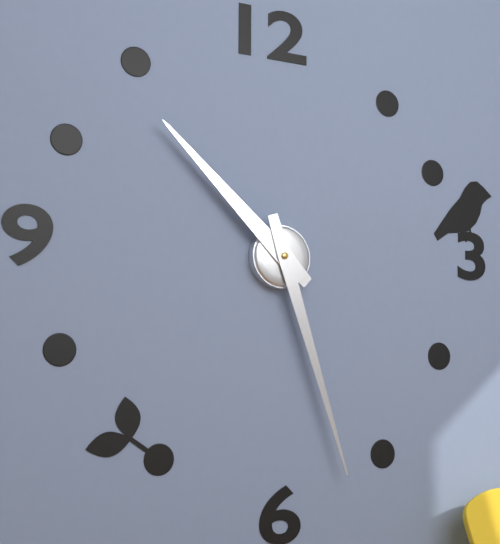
10:27
